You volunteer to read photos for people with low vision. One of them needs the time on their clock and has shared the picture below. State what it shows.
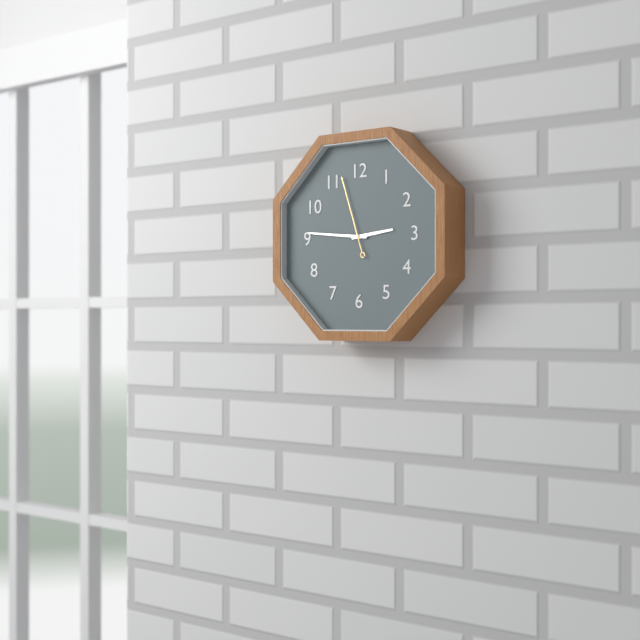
2:46:57
